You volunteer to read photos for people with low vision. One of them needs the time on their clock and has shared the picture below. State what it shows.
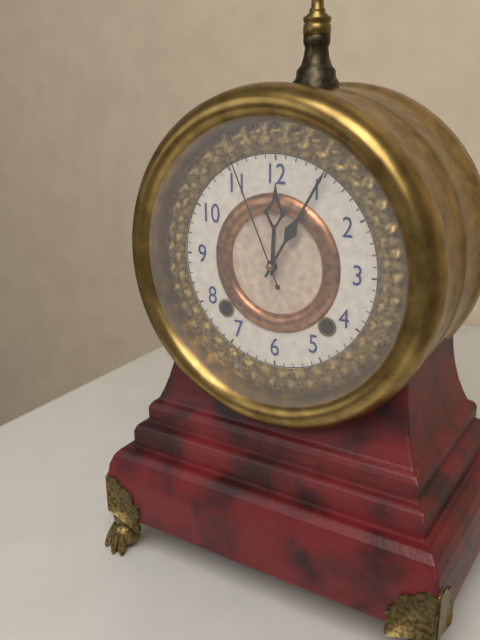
12:05:56
